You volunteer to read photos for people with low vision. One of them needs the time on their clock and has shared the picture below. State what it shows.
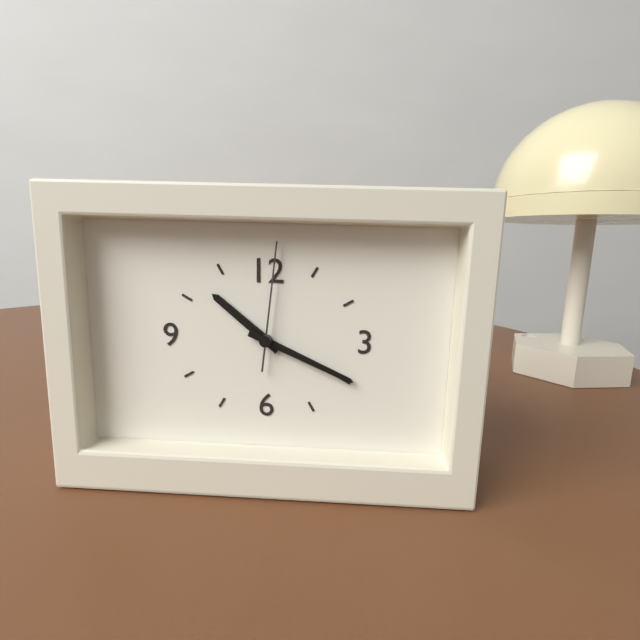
10:19:01
